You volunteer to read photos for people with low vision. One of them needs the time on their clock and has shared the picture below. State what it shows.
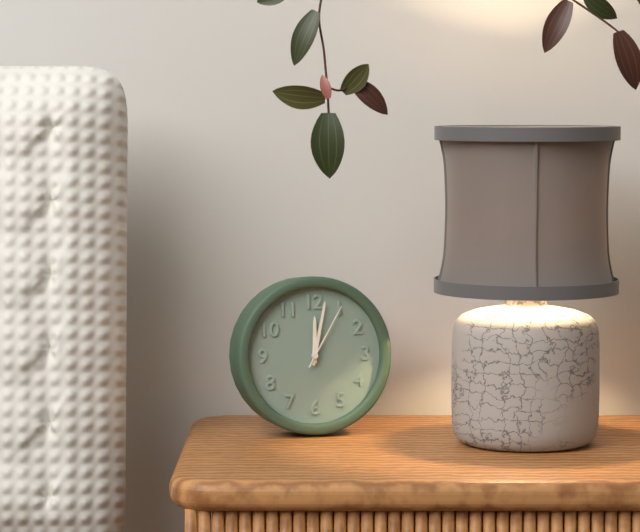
12:02:05
